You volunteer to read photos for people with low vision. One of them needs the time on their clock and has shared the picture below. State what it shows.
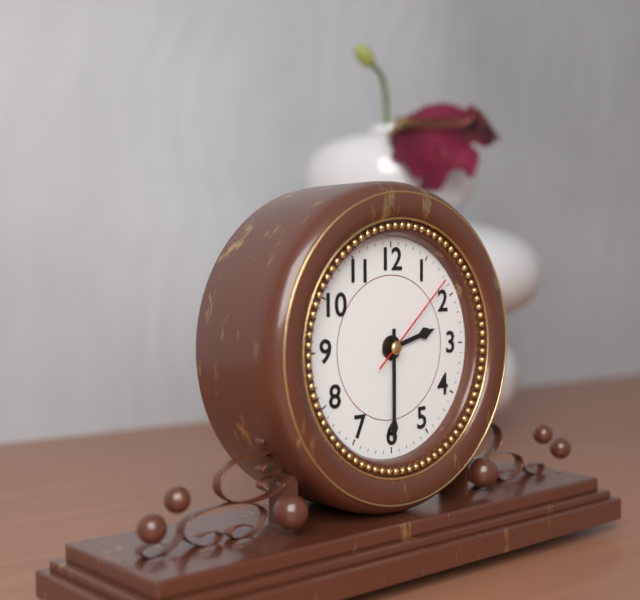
2:30:08
